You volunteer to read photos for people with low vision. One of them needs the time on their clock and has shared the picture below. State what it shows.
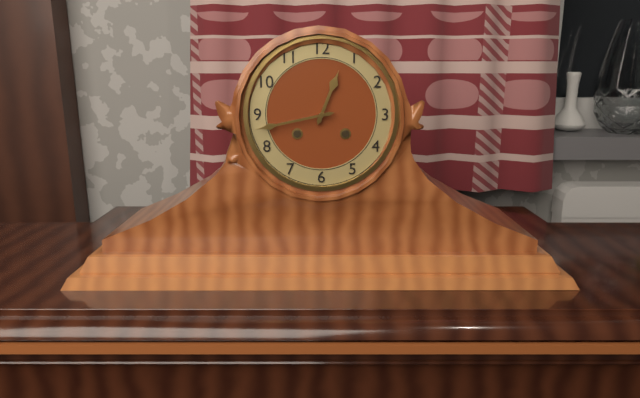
12:43
